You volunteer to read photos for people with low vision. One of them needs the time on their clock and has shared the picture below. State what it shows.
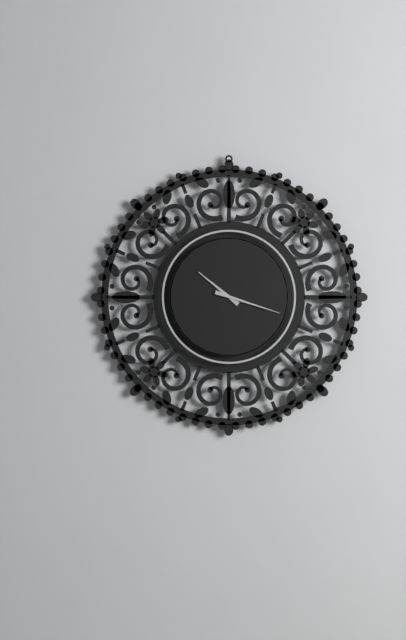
10:18
